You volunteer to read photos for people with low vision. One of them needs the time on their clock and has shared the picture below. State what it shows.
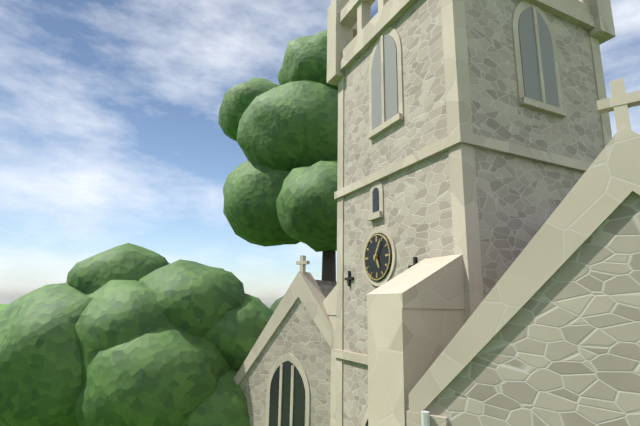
5:05
